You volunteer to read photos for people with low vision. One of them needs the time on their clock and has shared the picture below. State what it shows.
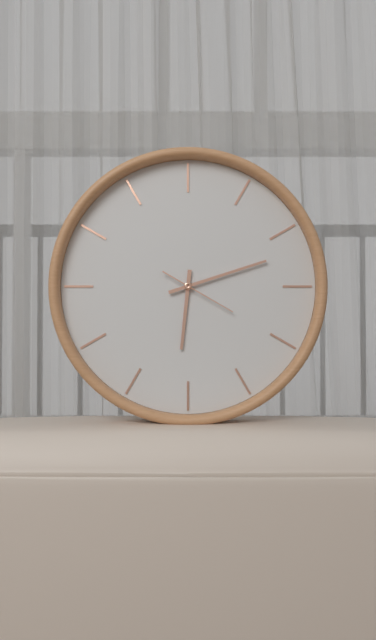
6:12:20
